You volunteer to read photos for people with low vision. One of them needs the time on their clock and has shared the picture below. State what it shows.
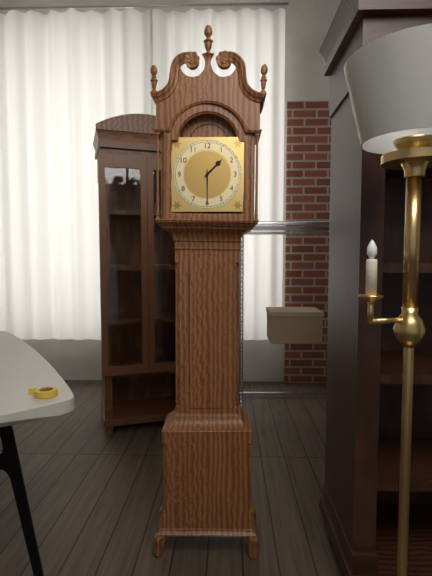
1:30
